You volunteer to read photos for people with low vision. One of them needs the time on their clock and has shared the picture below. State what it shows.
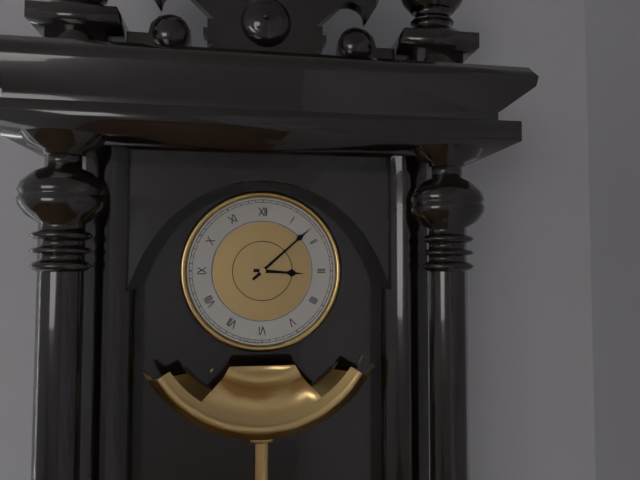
3:08
